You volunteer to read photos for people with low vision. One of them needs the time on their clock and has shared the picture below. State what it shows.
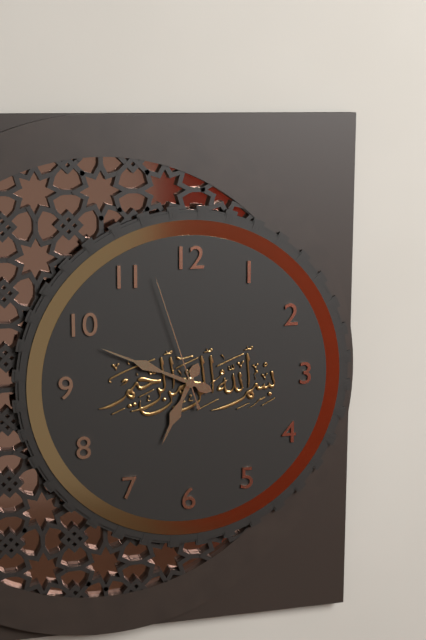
6:49:57
